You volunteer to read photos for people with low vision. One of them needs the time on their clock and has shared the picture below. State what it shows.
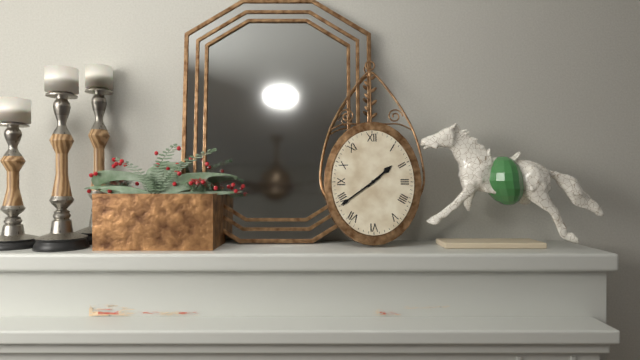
1:39
